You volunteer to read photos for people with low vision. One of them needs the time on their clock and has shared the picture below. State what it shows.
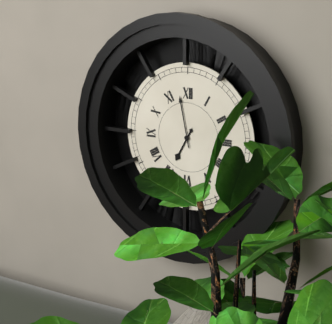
6:58
